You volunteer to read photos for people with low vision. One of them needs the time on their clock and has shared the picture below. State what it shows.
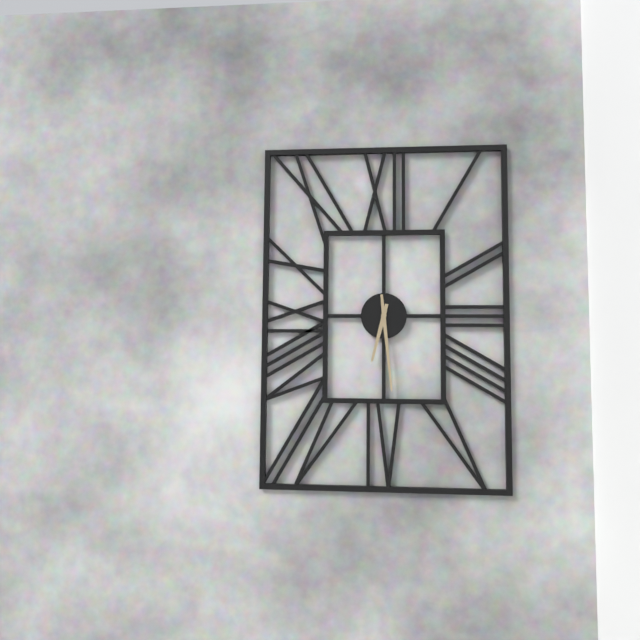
6:29
